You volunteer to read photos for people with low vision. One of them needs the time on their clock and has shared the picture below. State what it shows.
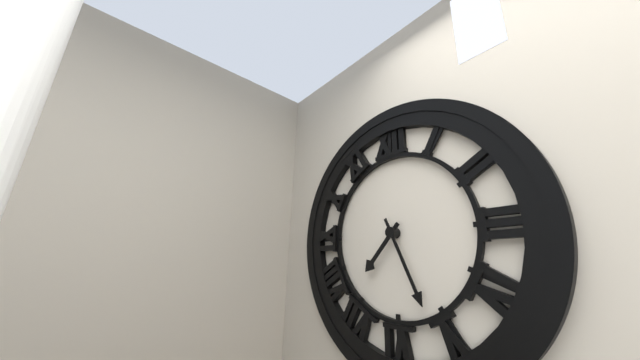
7:26
